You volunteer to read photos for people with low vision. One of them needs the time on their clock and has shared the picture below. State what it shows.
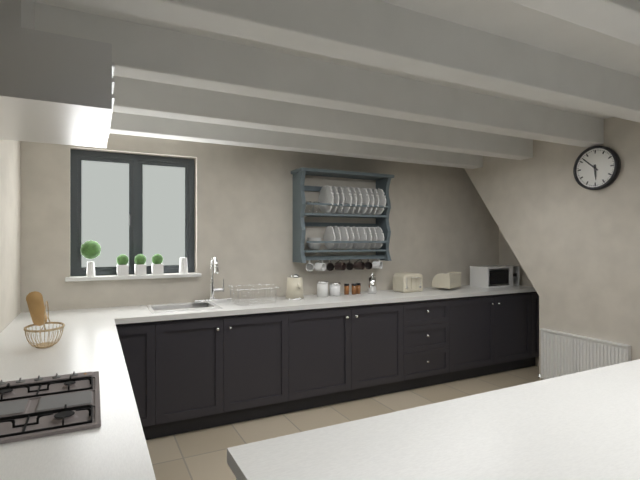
5:52
